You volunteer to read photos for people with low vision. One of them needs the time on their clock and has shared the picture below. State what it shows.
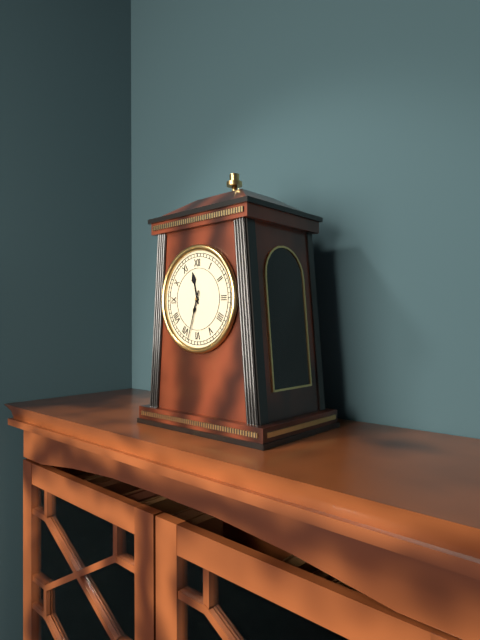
11:33
